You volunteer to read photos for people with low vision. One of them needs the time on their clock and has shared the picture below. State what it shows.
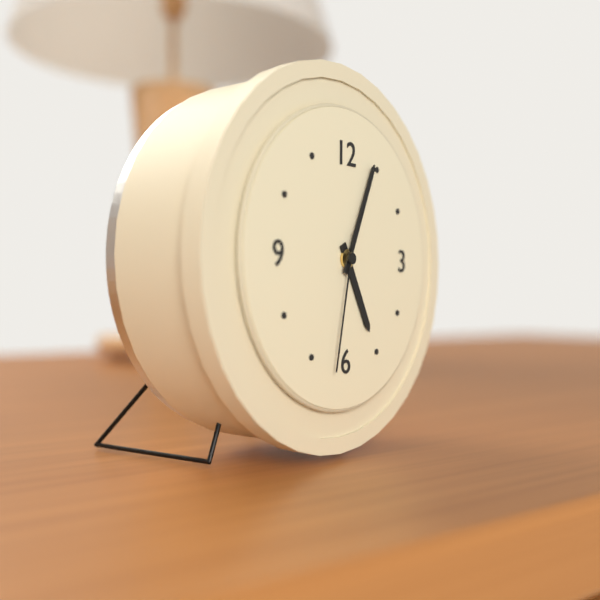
5:04:32
